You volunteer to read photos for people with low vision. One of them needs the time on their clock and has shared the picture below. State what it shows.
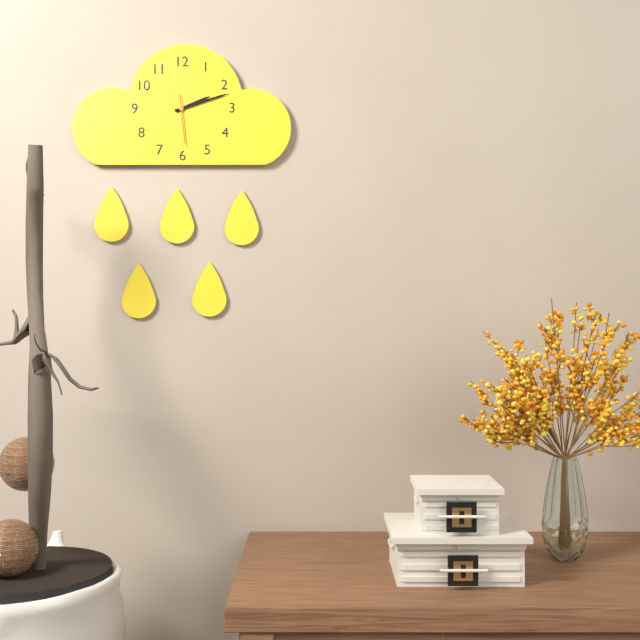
2:12:29
